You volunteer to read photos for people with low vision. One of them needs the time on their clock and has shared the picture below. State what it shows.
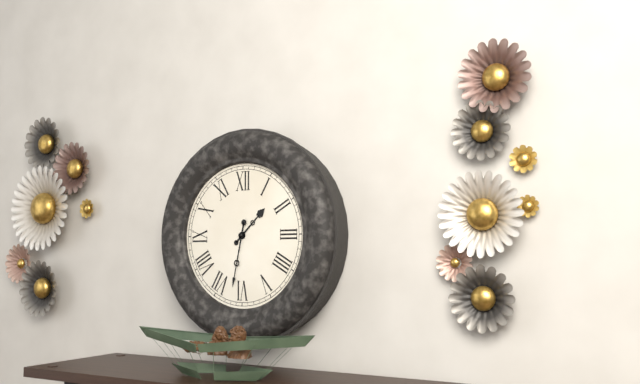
1:32
